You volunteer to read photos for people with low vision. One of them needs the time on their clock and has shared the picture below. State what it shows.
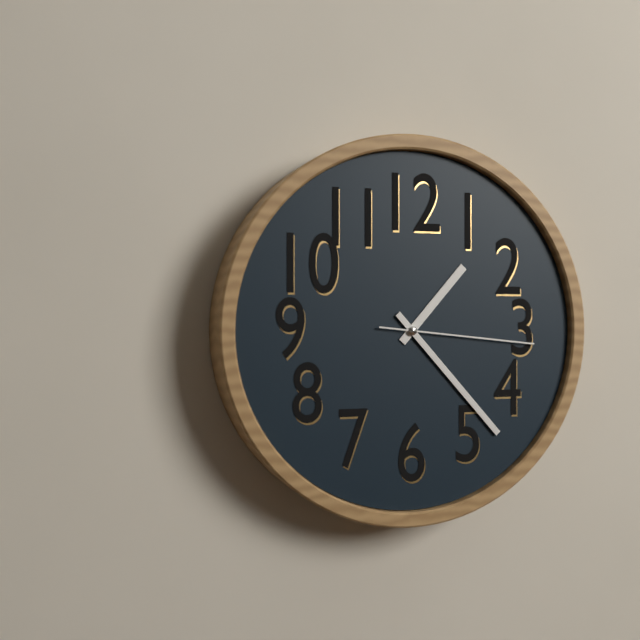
1:23:16
